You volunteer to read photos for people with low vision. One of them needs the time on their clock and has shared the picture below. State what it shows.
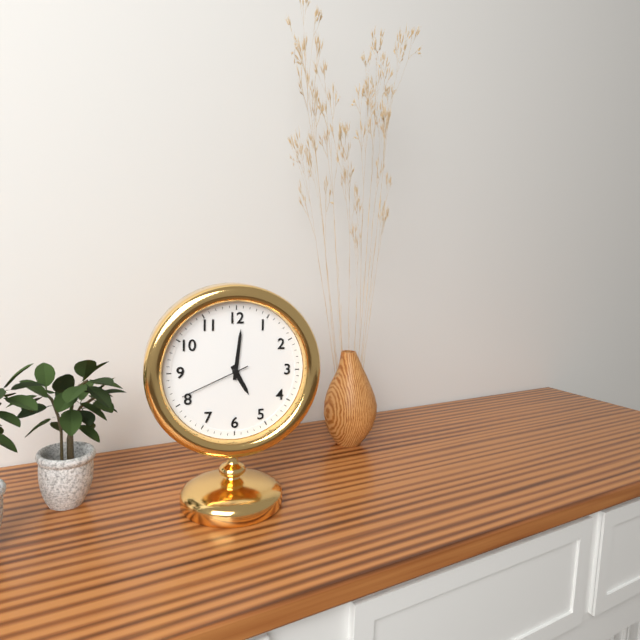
5:01:41
